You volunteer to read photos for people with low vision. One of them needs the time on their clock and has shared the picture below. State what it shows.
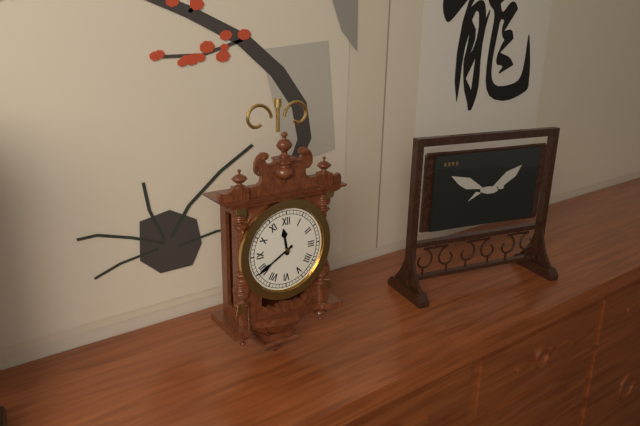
11:40
